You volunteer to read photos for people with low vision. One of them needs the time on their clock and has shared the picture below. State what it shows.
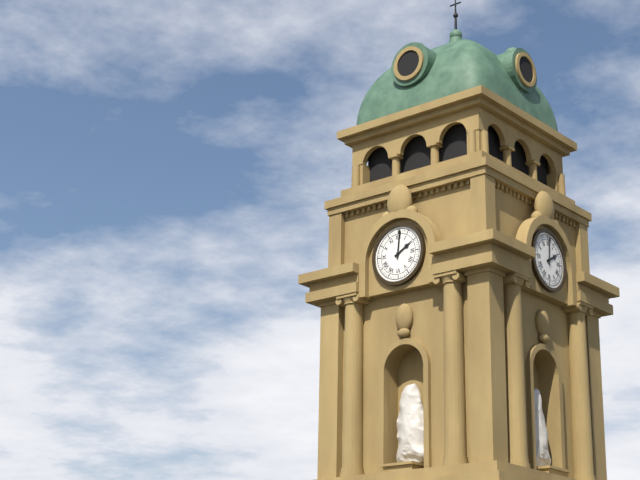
2:01
